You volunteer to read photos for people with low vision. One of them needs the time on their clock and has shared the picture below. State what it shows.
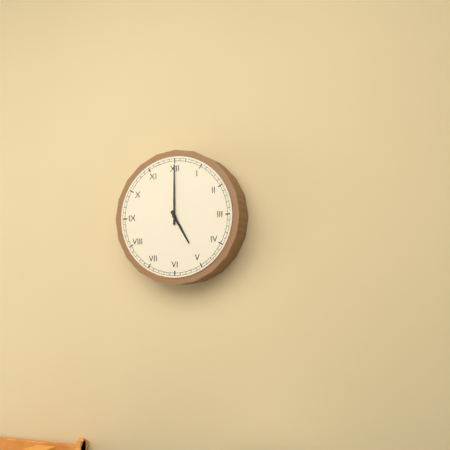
5:00
